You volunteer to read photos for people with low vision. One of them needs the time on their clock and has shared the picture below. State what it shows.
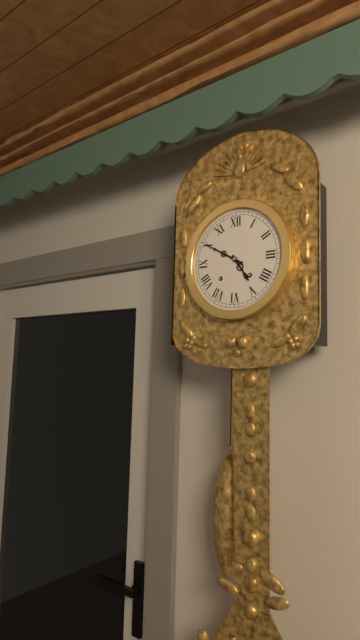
4:50
